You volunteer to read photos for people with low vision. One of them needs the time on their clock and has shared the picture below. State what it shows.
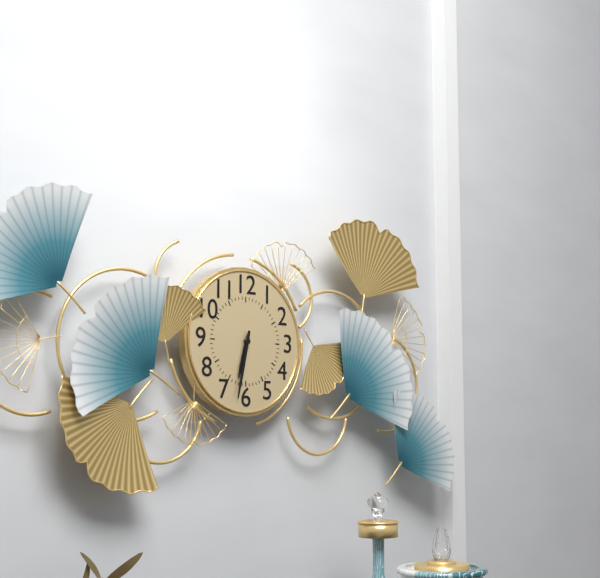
6:32
